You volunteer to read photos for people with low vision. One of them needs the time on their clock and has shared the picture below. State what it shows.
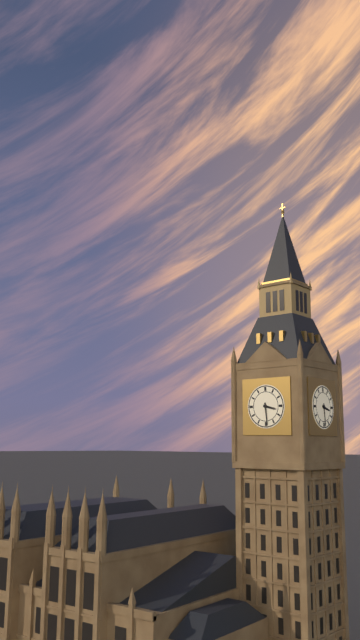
3:29
